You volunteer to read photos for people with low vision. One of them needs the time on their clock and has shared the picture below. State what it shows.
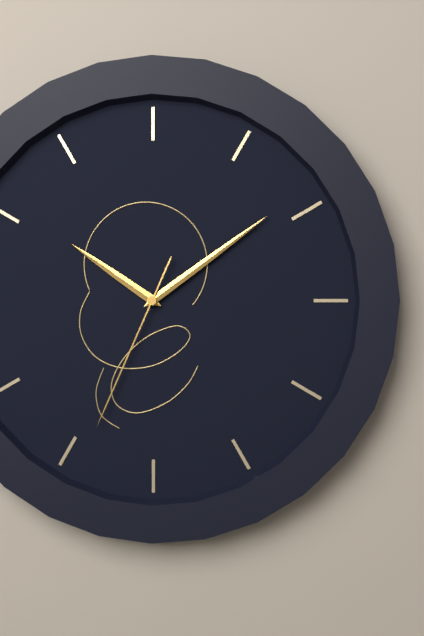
10:09:34
